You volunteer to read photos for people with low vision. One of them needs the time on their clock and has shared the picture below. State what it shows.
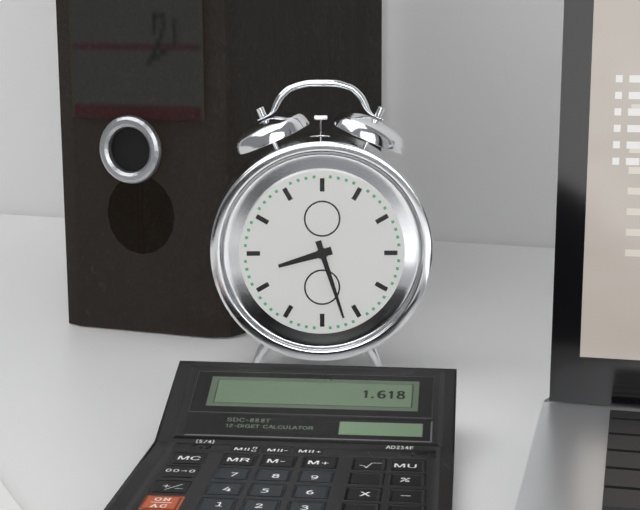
8:27
